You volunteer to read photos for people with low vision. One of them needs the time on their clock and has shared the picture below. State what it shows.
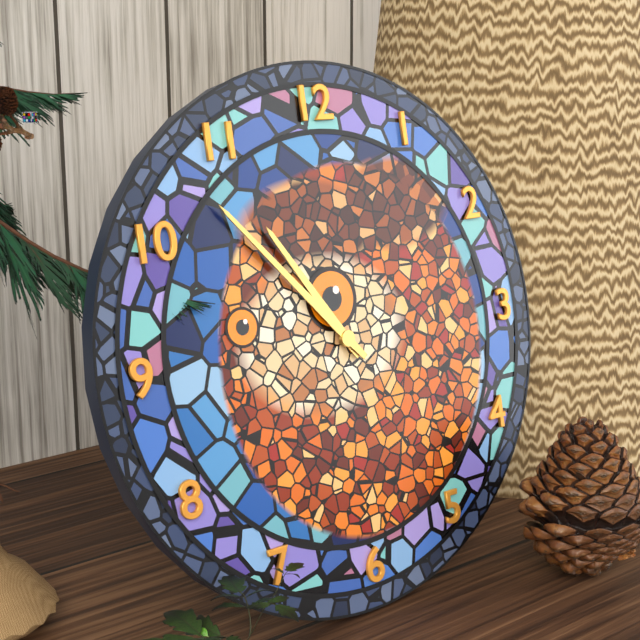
10:53
